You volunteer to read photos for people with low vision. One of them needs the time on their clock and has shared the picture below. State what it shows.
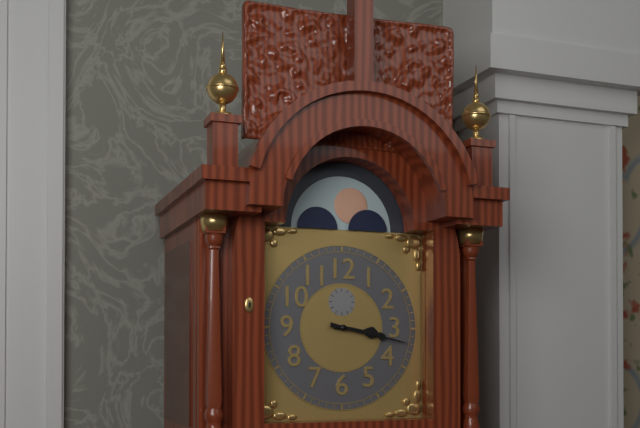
3:17
